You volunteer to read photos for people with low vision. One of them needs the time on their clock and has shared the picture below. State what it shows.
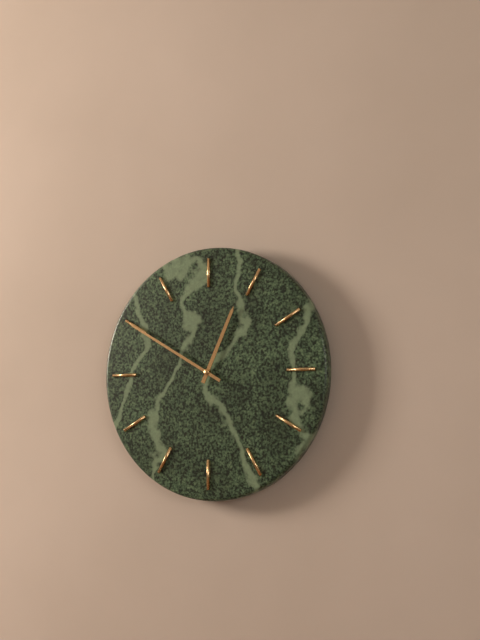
12:50
